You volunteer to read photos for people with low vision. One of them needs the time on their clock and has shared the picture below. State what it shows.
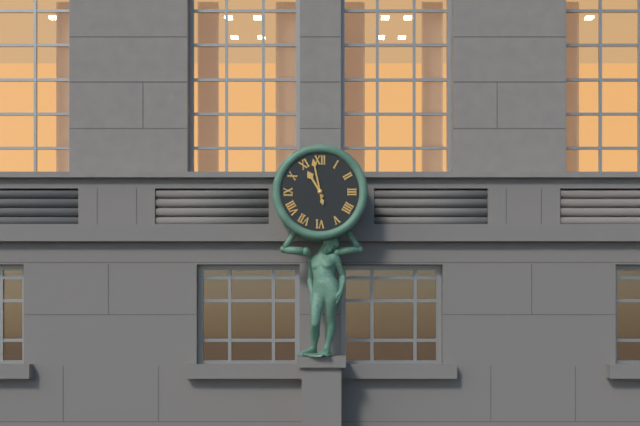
10:58
